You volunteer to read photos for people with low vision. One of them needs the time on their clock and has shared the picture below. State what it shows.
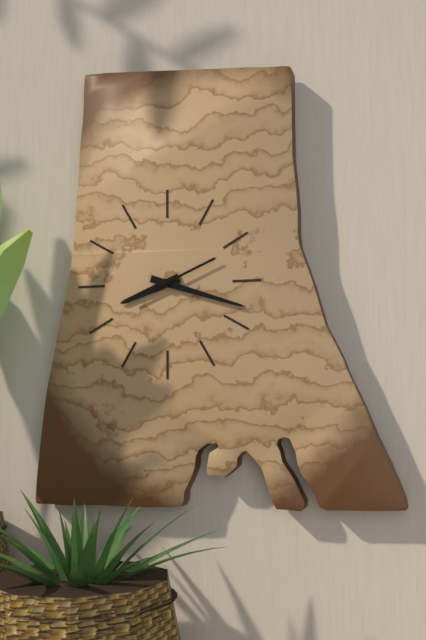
8:18:11
